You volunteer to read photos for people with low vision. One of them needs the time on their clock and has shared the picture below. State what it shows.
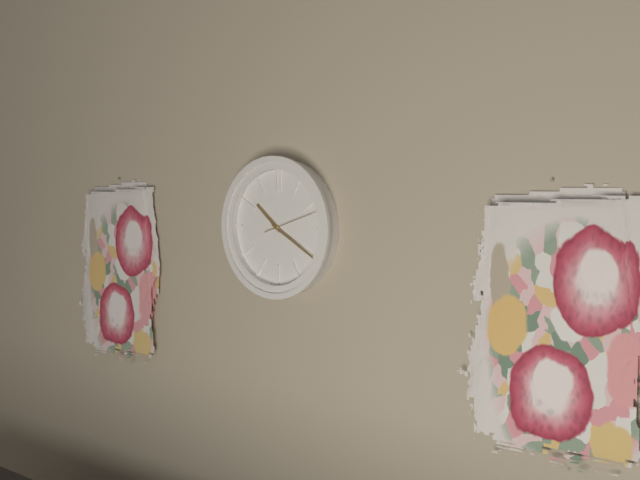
10:20:12
